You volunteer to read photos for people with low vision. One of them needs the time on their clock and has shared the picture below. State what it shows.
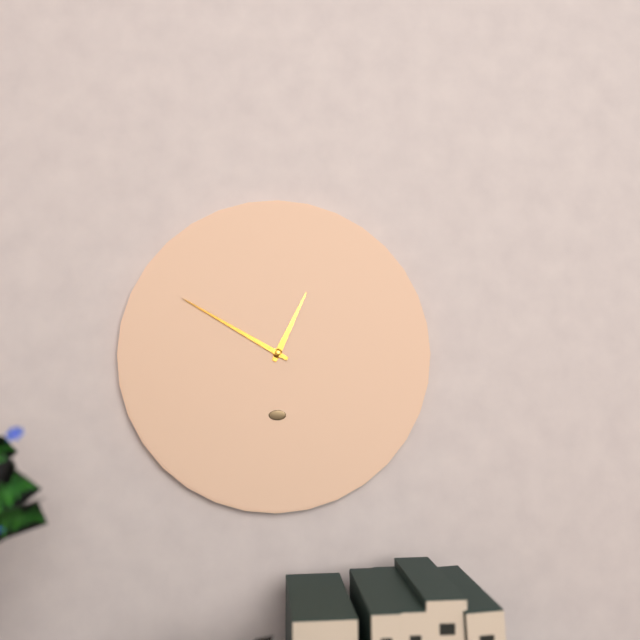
12:50
